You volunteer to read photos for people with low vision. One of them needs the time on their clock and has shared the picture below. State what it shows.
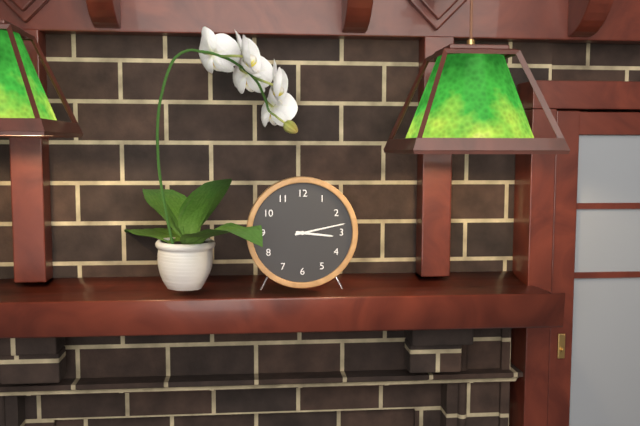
3:13
